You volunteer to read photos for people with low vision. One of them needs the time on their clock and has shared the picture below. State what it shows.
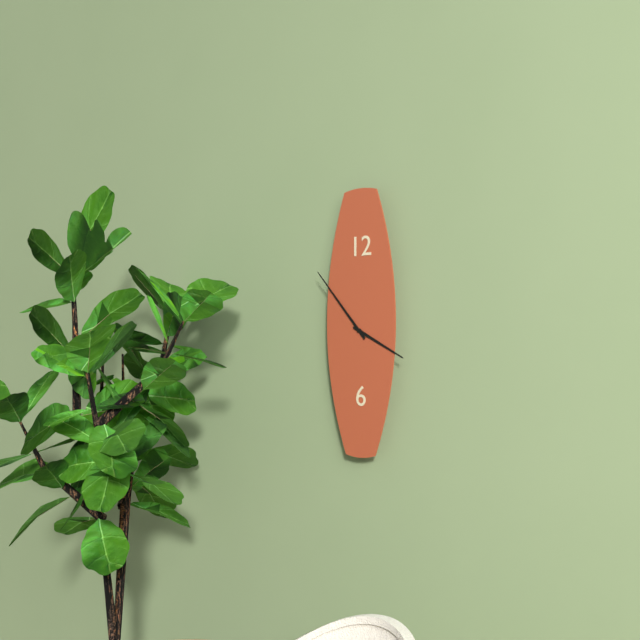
3:53
